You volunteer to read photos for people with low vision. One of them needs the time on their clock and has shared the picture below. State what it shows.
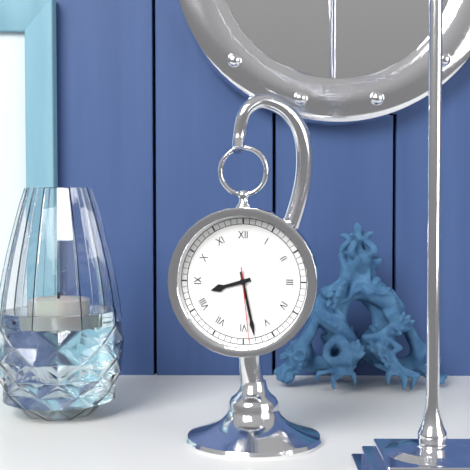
8:28:29
